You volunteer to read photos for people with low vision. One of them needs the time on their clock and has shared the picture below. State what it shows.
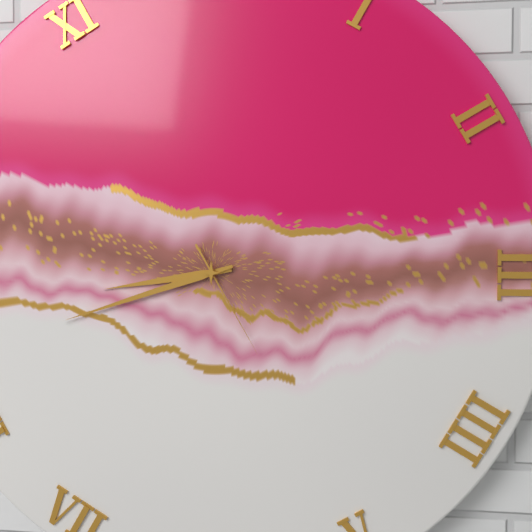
8:42:25
